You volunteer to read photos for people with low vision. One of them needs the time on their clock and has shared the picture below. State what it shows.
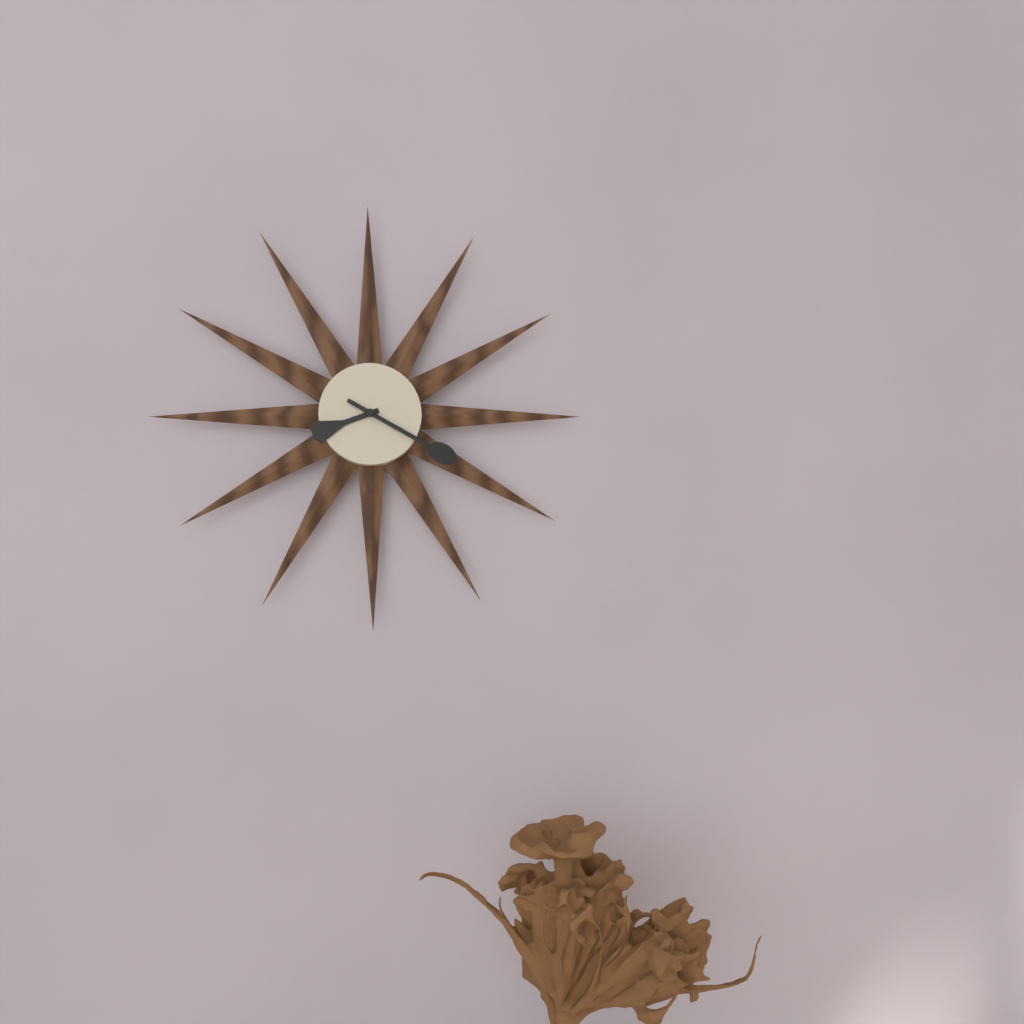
8:20
